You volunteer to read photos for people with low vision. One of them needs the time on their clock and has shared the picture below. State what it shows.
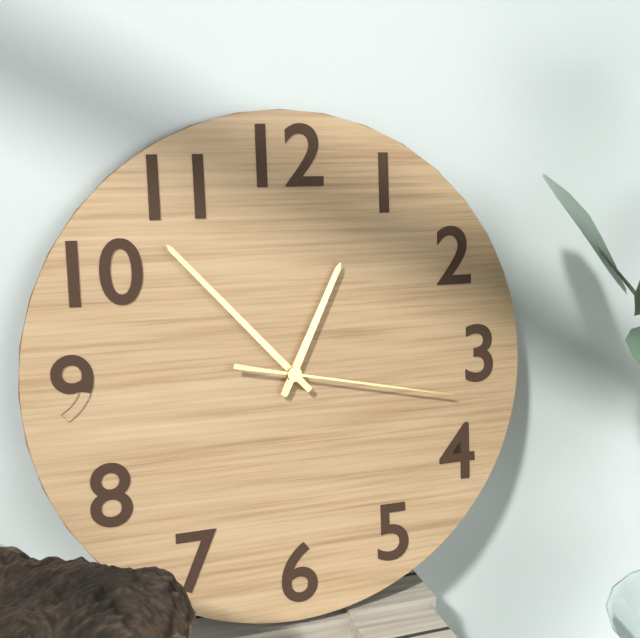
12:53:17
